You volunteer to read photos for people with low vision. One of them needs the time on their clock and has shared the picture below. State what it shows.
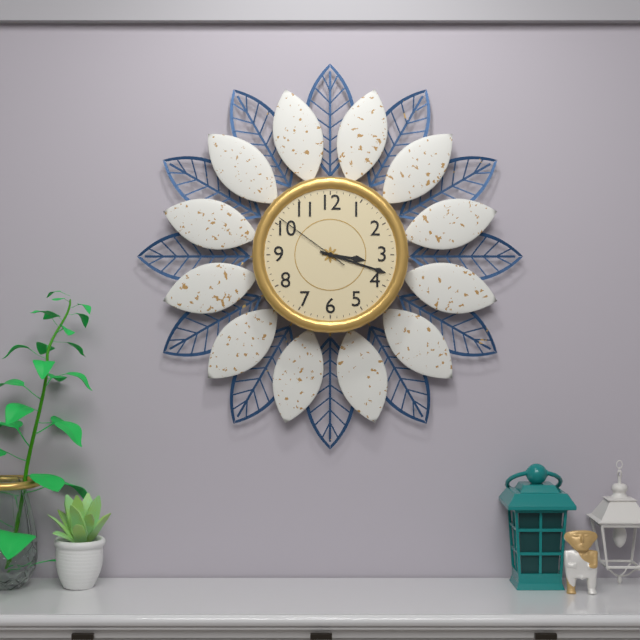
3:18:51
